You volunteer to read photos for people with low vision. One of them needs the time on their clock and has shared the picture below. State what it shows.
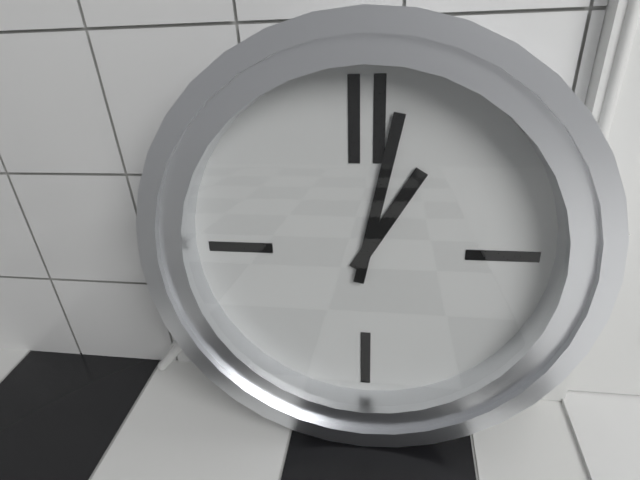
1:02
